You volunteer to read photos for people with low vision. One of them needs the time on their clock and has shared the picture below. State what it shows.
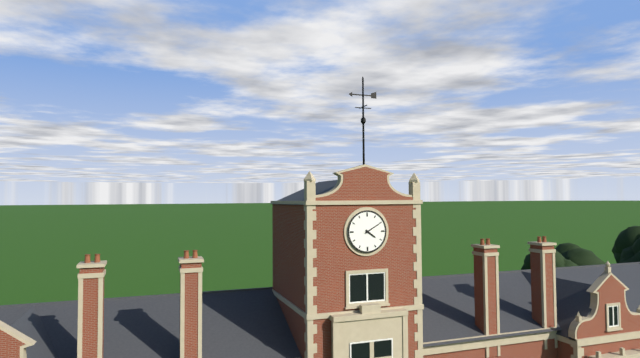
4:10
